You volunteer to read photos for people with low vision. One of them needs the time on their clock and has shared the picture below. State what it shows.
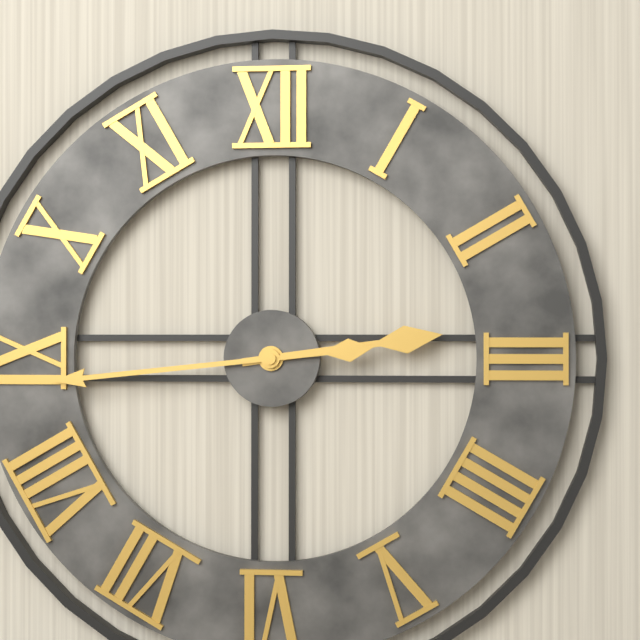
2:44
